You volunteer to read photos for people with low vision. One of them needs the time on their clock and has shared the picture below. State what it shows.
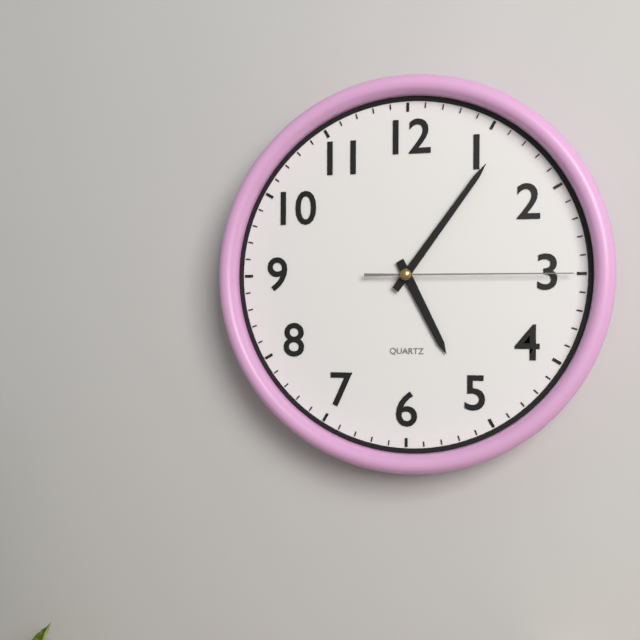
5:06:15
